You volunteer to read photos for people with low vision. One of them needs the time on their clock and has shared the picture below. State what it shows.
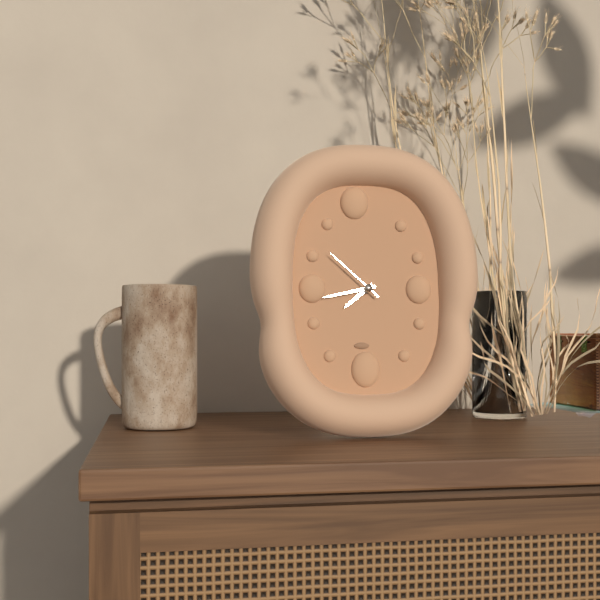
7:43:52
